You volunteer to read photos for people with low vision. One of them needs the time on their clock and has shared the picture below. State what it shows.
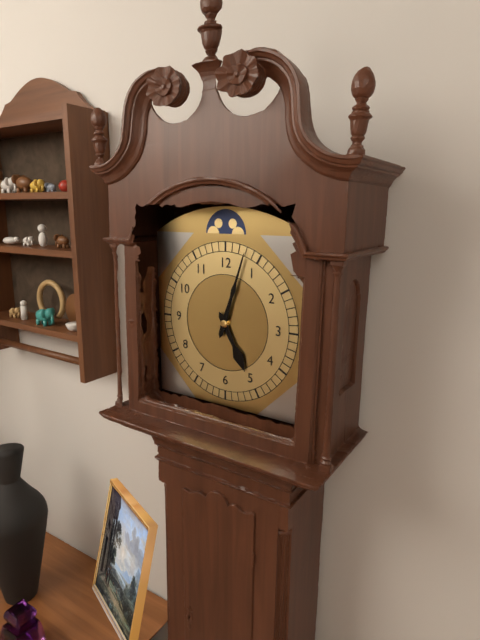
5:03
